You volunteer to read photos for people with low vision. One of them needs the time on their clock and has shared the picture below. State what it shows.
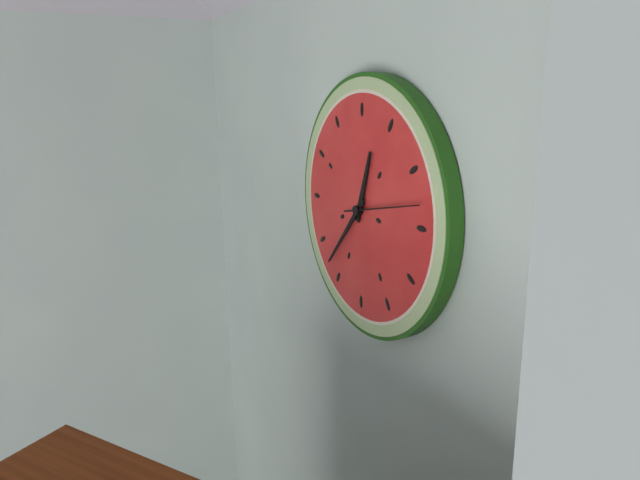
12:37:13
